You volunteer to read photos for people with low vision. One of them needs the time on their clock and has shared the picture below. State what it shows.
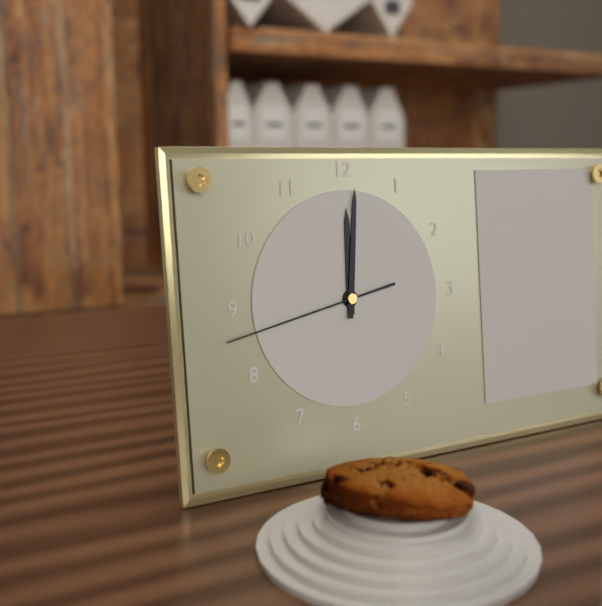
12:01:43
